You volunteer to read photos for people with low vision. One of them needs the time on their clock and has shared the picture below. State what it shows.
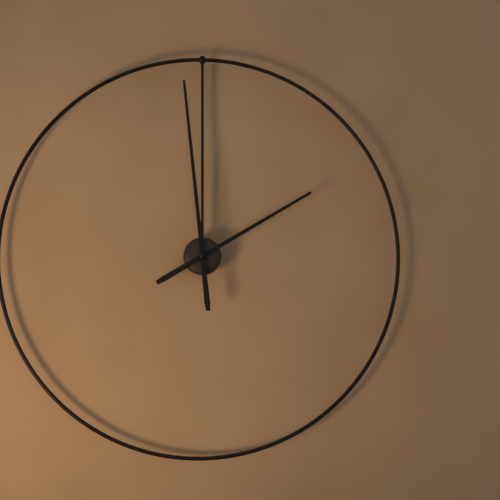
1:59
